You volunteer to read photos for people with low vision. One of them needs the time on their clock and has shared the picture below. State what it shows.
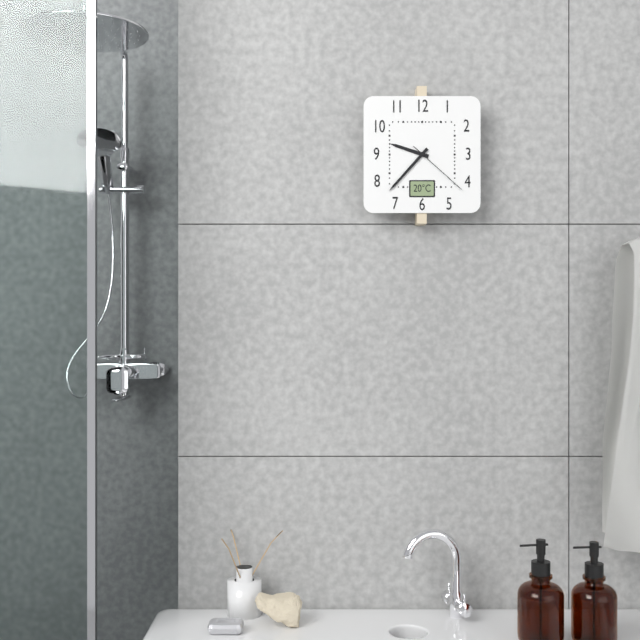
9:37:22
